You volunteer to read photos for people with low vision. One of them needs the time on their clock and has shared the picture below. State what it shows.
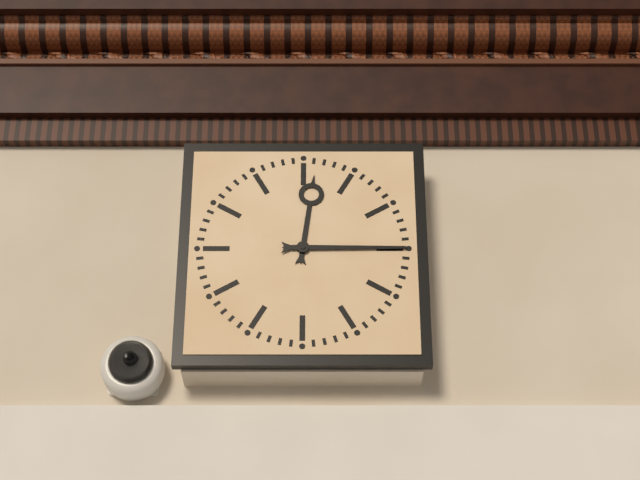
12:15
